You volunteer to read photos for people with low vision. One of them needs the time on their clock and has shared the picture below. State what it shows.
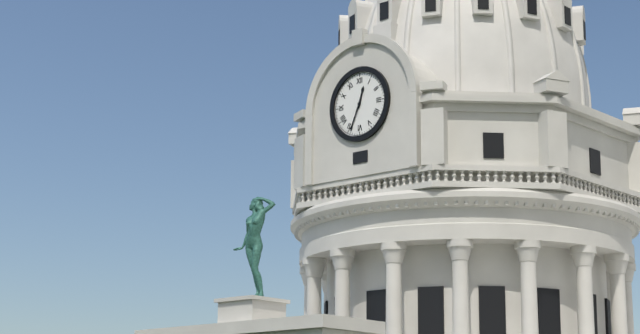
12:34
